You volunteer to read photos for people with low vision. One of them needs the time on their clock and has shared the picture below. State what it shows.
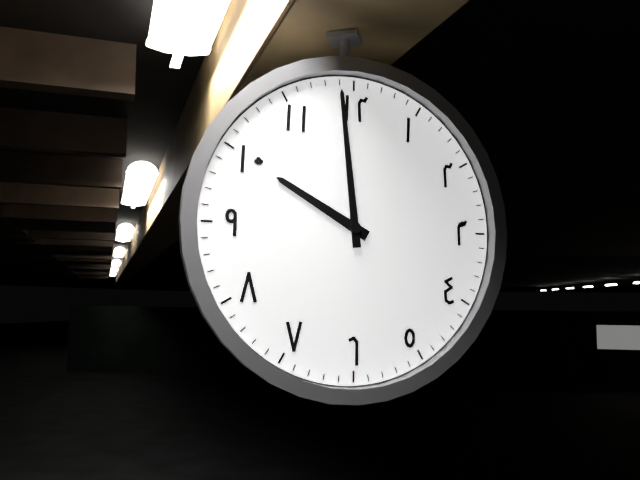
9:59
